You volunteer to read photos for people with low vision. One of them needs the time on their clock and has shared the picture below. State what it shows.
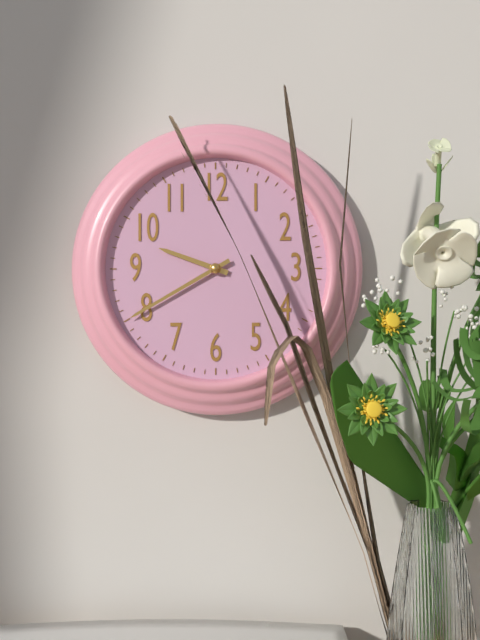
9:40
